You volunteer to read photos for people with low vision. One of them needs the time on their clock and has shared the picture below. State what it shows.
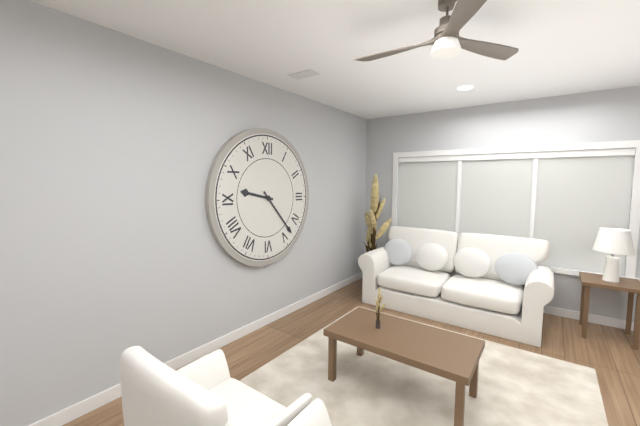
9:23
